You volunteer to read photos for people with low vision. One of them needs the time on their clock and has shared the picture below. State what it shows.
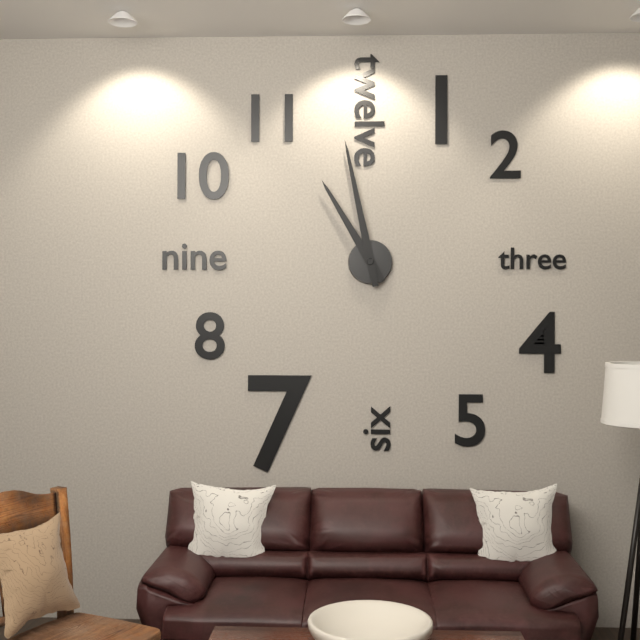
10:58
